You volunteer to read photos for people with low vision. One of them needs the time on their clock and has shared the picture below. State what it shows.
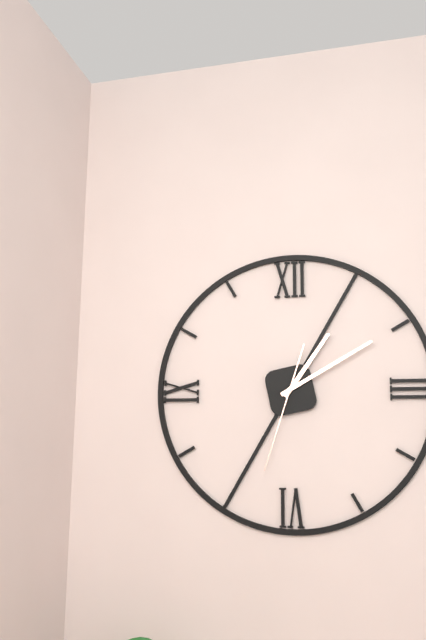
1:10:33
